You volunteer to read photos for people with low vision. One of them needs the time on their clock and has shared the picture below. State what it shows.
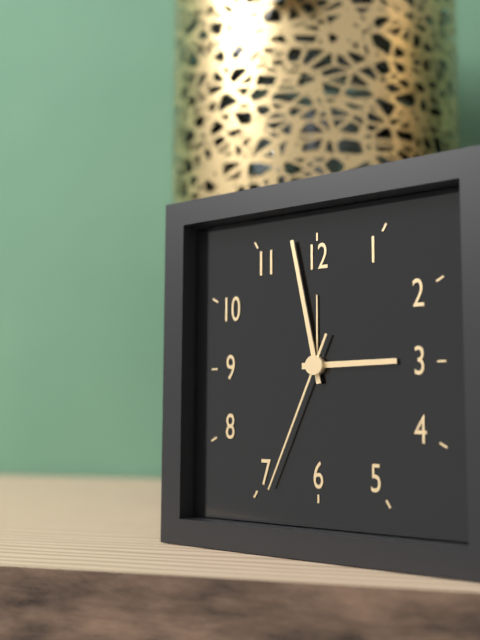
2:58:34
